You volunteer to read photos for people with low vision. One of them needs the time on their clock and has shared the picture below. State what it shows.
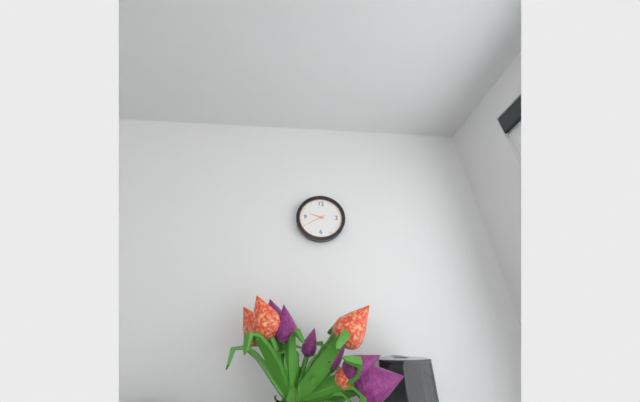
9:40
